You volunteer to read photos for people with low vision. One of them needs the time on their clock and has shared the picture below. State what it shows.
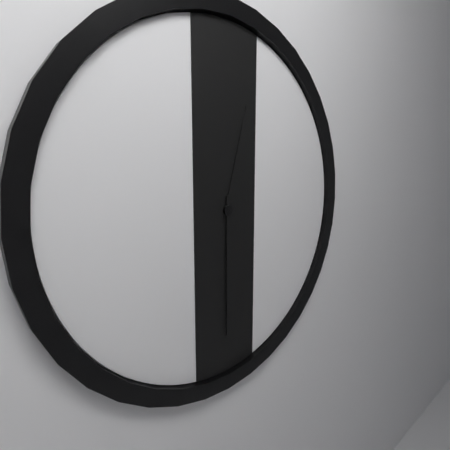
12:30
